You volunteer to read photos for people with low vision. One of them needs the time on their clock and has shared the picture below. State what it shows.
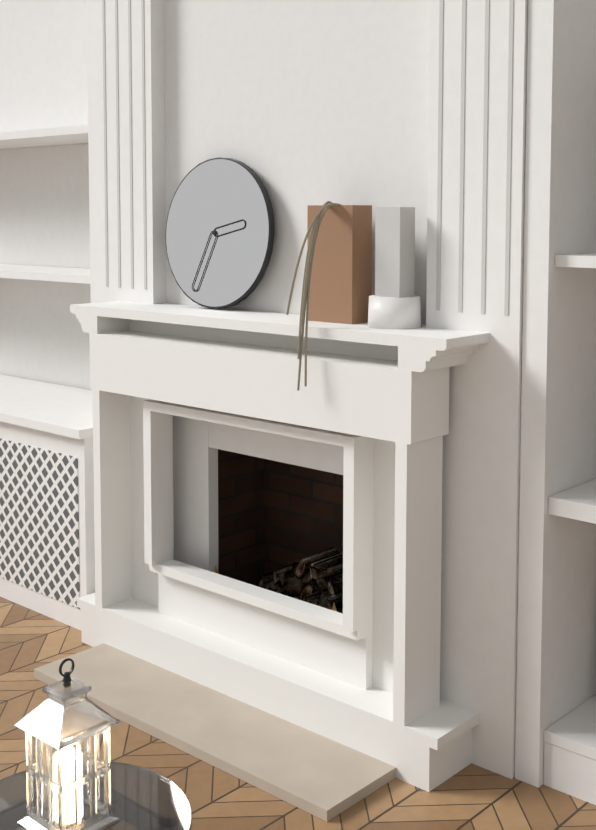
2:34
